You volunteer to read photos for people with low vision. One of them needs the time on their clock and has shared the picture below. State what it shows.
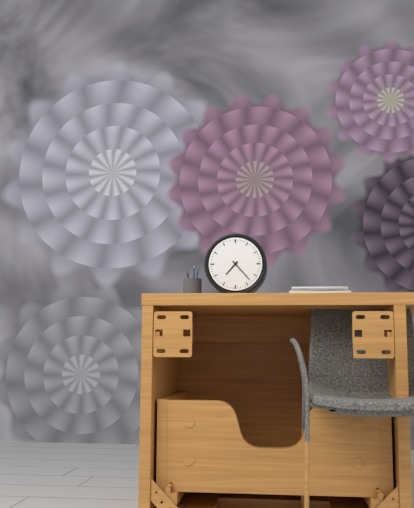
7:23
